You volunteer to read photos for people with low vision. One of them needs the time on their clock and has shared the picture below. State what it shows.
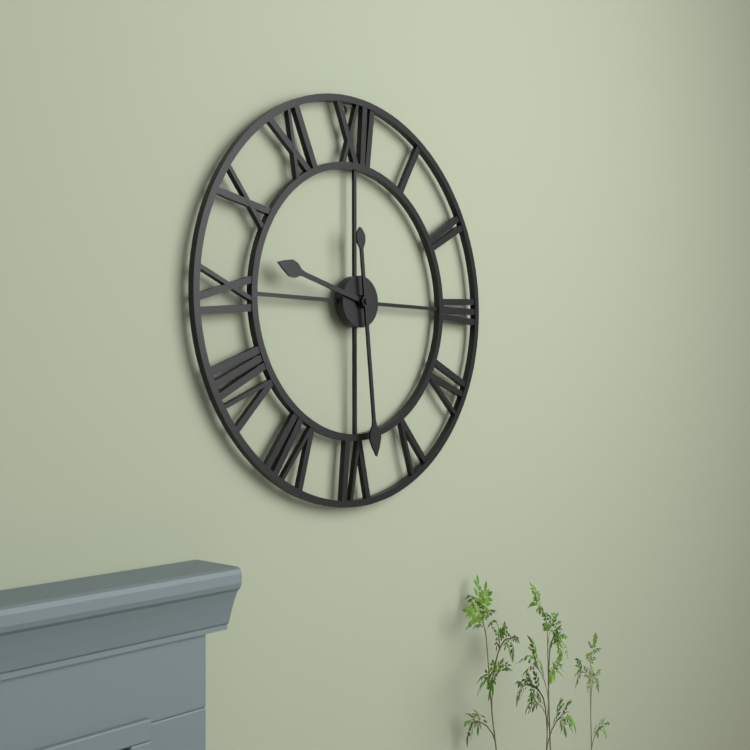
9:29
